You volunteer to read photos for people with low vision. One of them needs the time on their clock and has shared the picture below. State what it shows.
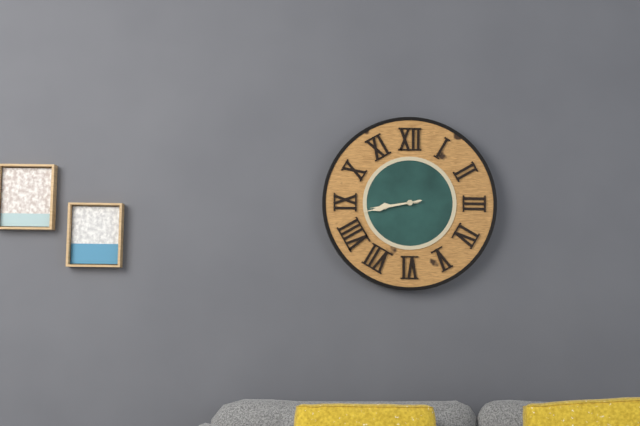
8:43
